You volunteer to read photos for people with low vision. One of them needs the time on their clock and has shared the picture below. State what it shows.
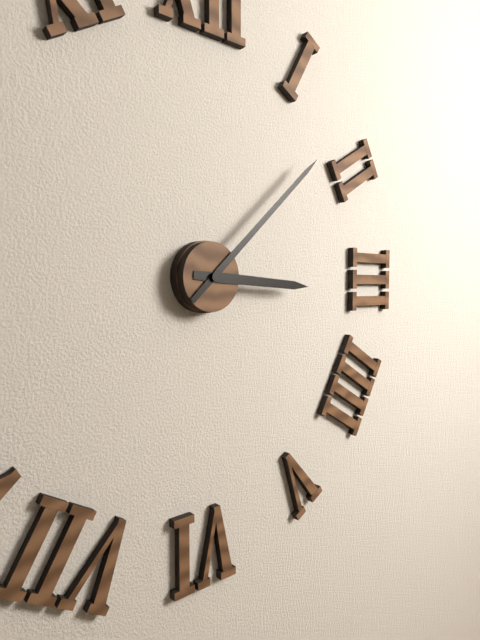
3:08
